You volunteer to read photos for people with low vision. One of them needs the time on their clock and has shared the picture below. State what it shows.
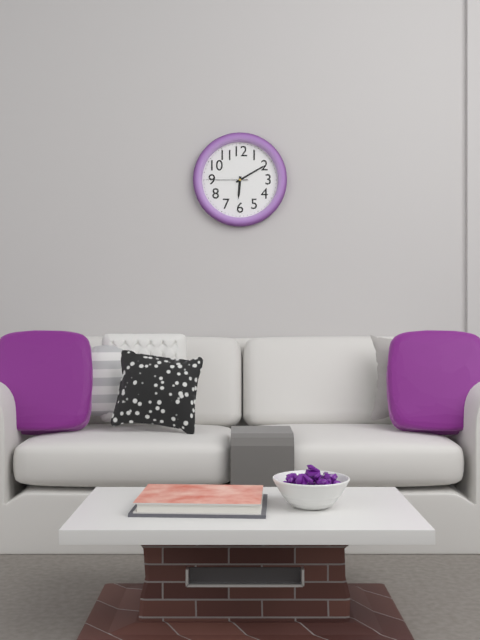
6:10
